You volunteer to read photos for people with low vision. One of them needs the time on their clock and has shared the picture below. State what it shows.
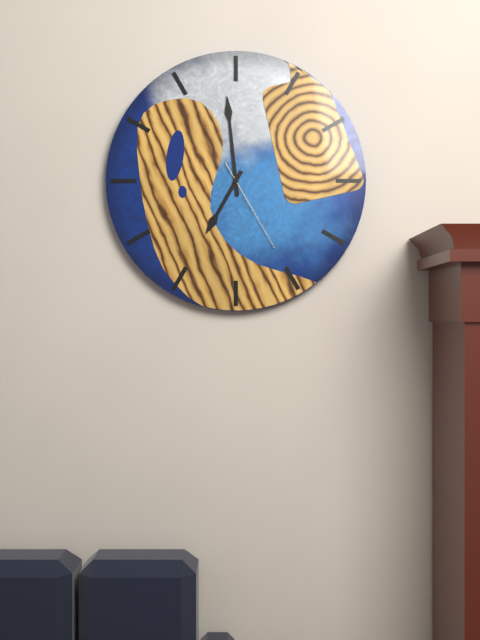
6:59:25
